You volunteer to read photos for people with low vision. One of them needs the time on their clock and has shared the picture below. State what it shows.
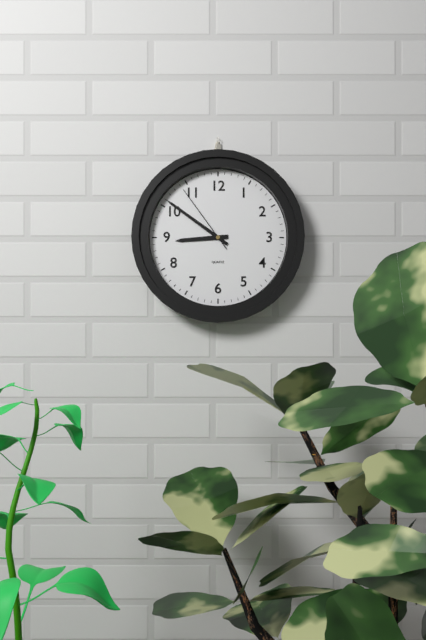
8:51:54
